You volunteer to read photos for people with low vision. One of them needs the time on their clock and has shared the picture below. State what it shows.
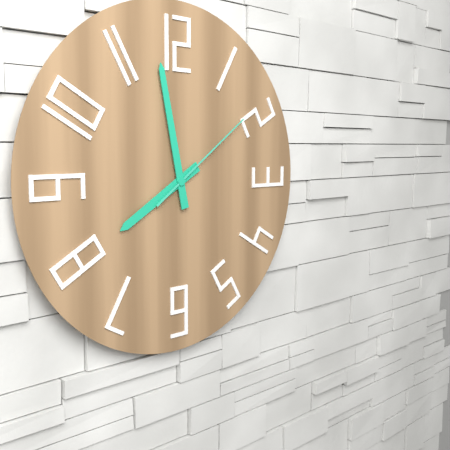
7:58:09
